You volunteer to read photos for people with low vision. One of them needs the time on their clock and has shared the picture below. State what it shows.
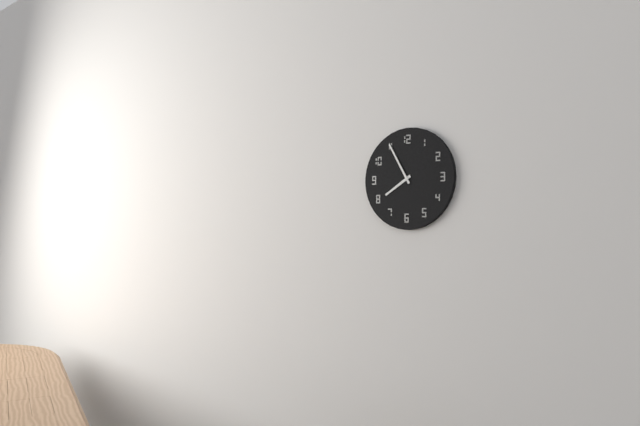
7:55
